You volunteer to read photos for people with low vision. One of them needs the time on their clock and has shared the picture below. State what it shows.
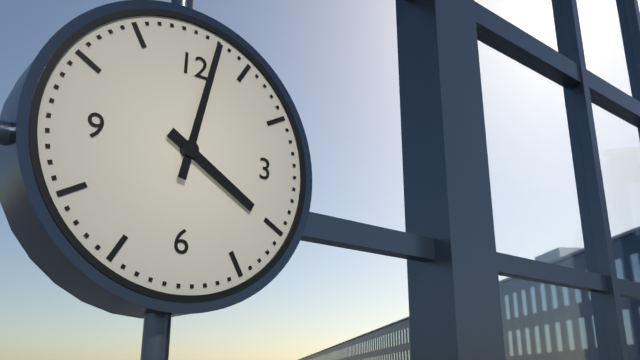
4:02
